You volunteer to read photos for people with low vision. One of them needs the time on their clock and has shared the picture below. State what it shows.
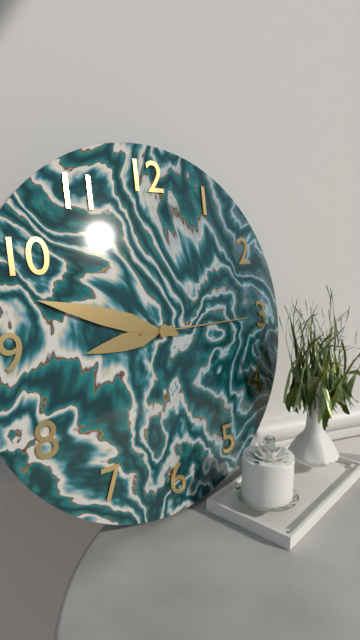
8:48:15
